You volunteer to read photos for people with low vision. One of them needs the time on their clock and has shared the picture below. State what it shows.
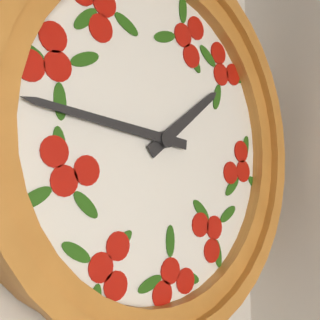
1:46
